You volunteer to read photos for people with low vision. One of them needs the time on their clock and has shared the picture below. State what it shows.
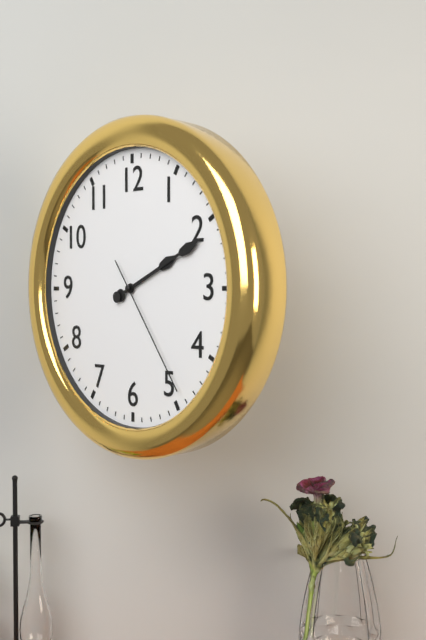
2:11:24
